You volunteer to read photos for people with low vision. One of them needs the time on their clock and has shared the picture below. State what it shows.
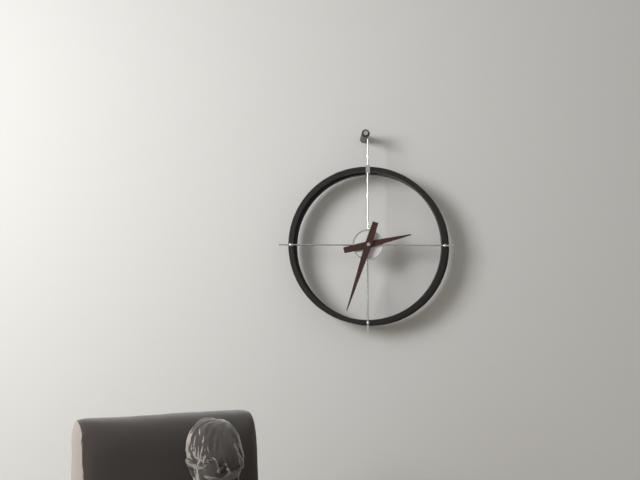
2:33
